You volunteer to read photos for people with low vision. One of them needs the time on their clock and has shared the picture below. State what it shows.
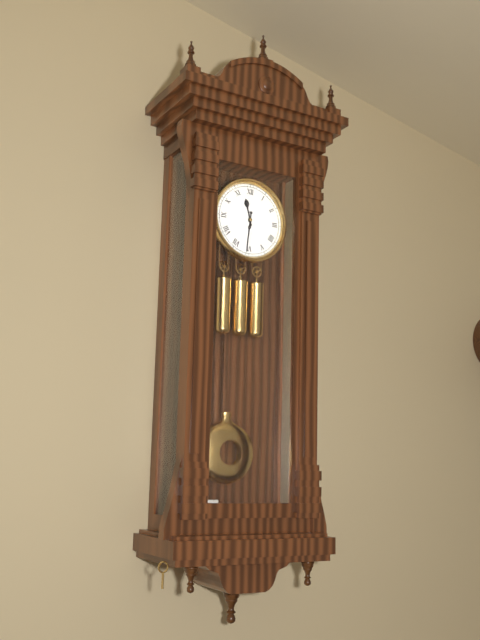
11:31
